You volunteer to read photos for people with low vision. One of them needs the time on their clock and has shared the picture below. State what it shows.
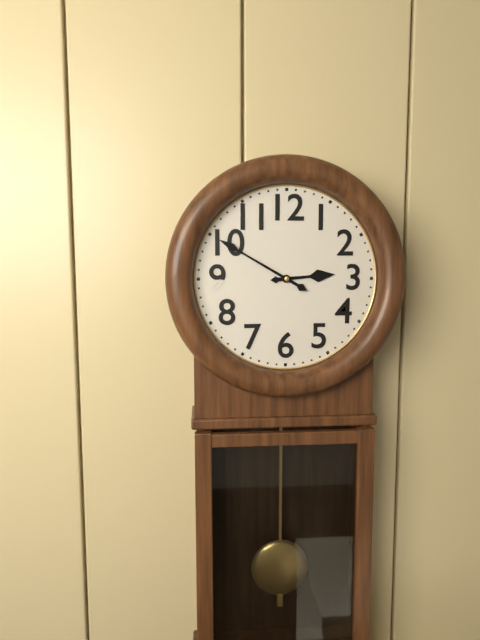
2:50
